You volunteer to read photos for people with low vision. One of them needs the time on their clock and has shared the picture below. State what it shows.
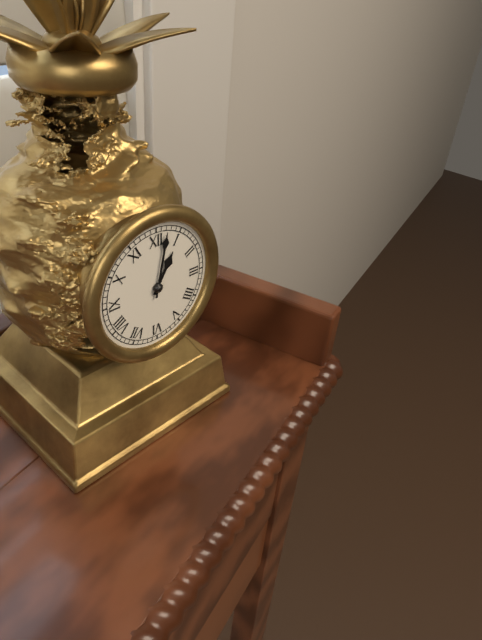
1:02
